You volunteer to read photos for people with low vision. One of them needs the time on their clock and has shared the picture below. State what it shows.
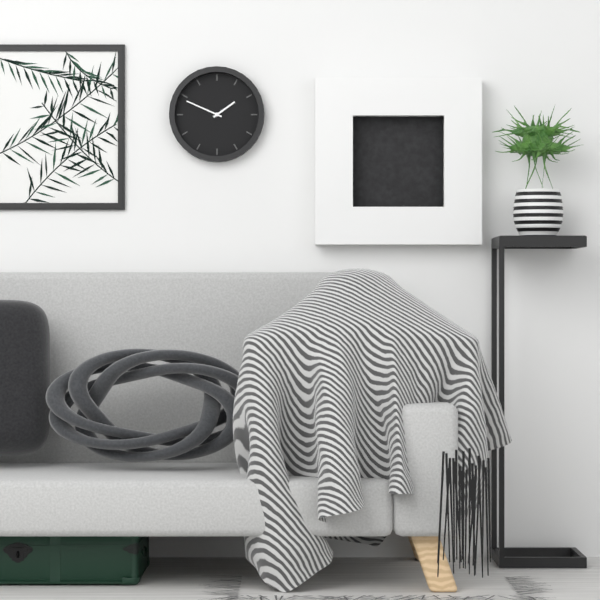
1:49
